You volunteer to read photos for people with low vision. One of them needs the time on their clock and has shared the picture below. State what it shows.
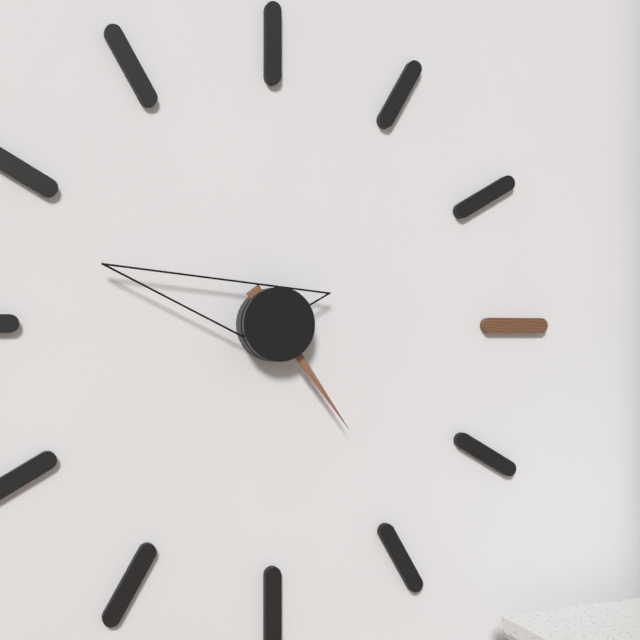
4:48
